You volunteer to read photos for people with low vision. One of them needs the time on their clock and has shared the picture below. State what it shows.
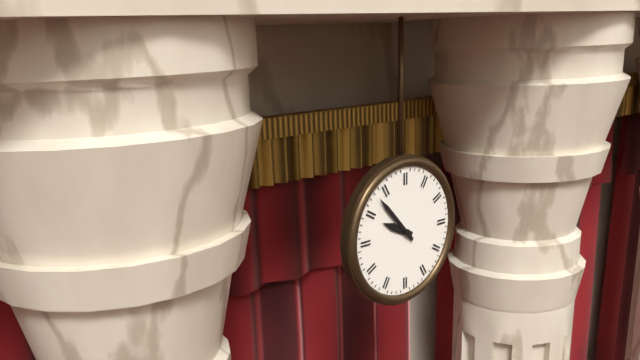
9:53
